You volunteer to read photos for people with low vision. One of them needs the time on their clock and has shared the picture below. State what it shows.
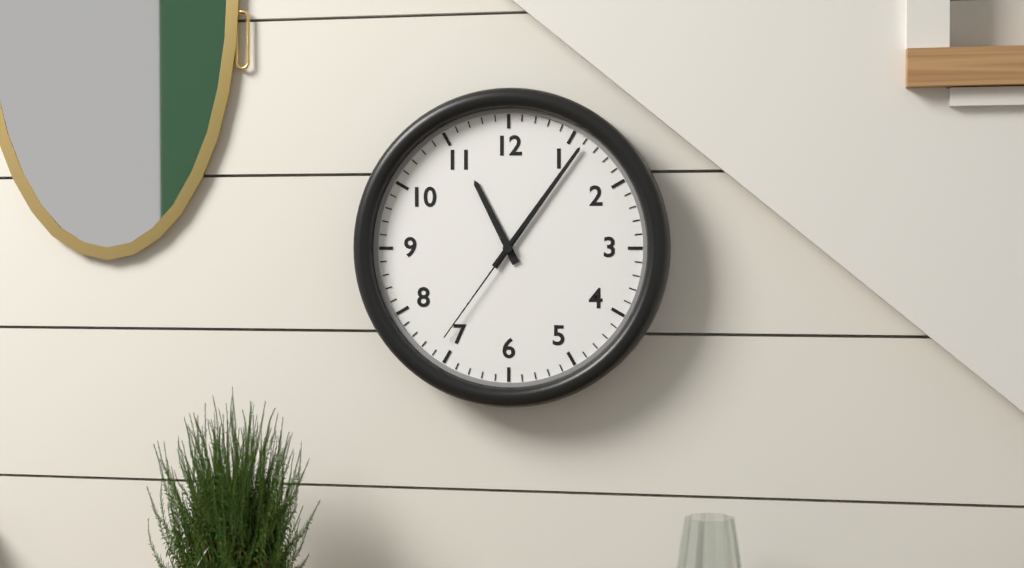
11:06:36
